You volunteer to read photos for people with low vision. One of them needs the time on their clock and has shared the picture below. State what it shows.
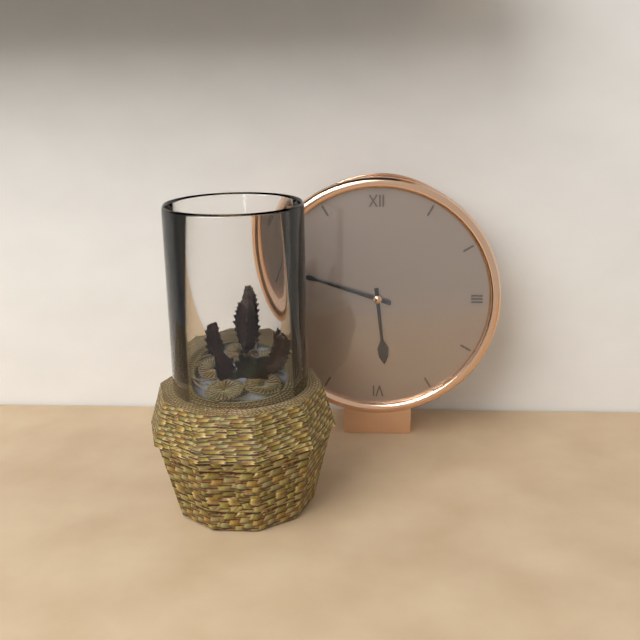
5:48
